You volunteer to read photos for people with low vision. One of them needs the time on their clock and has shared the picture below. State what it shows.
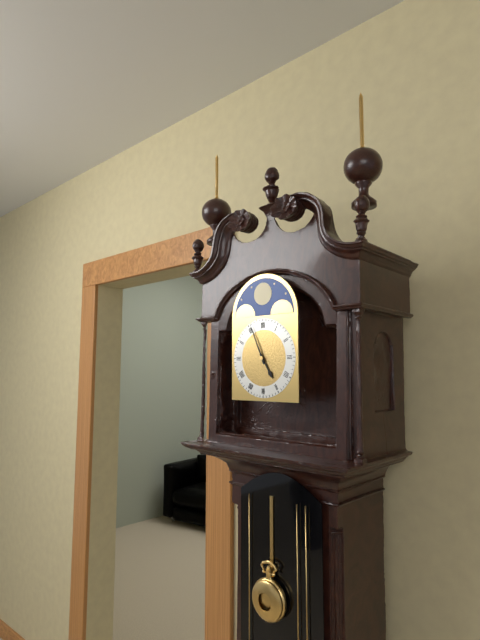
4:56
